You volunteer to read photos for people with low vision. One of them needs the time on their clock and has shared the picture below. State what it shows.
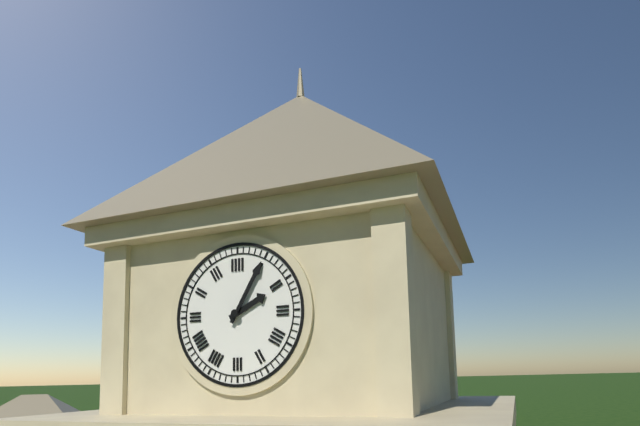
2:05
